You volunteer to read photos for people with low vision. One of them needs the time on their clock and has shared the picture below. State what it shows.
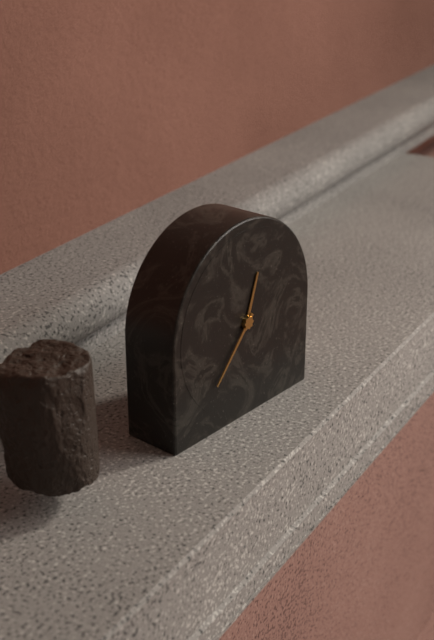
12:37
